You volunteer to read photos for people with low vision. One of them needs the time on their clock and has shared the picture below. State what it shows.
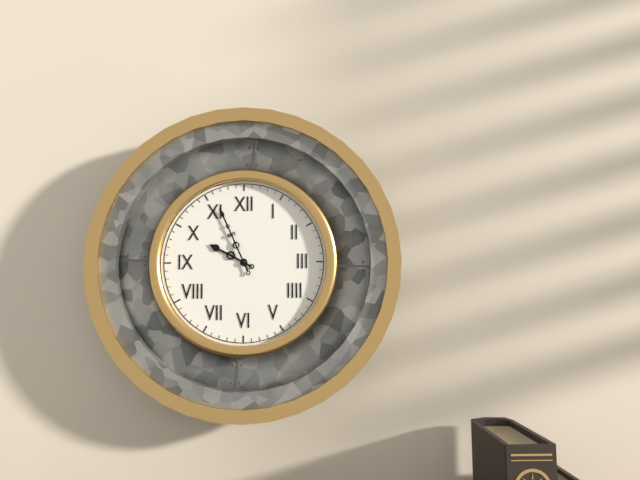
9:56
